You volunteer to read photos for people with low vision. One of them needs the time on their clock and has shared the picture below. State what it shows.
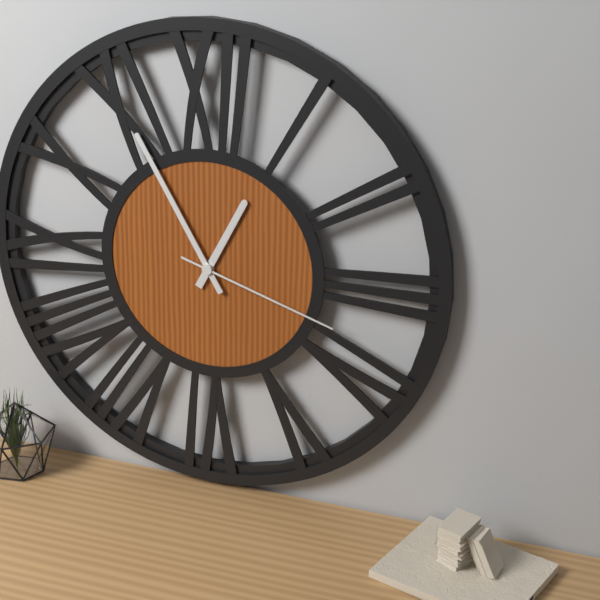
12:55:18
